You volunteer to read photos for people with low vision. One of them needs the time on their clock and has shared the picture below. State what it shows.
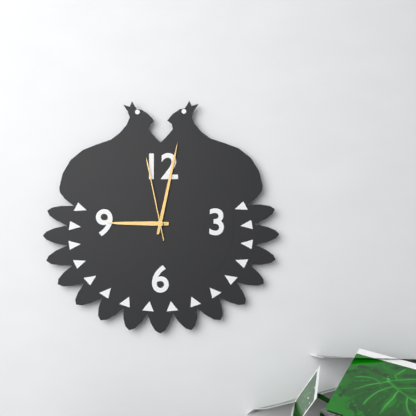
9:02:58
